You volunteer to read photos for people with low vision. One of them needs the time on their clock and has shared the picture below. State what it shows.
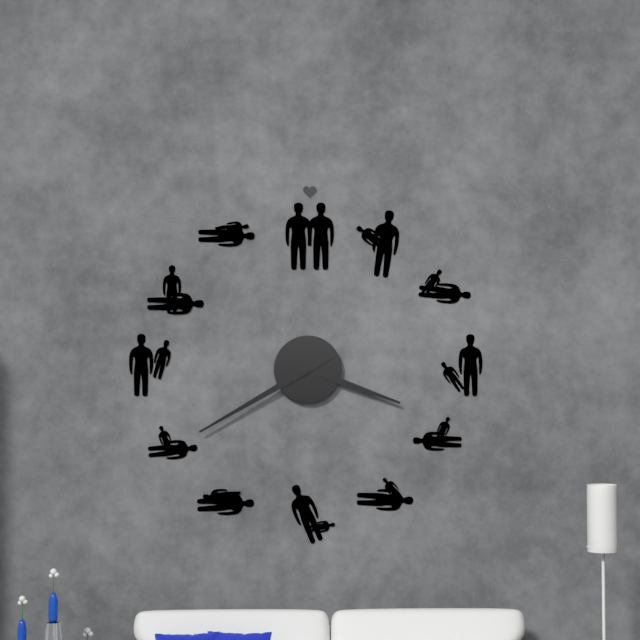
3:40
